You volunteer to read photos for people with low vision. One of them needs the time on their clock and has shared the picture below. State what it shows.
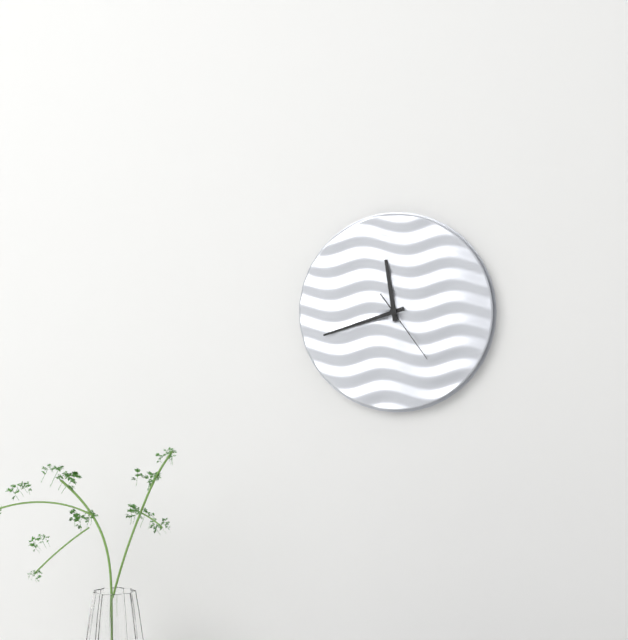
11:42:24
